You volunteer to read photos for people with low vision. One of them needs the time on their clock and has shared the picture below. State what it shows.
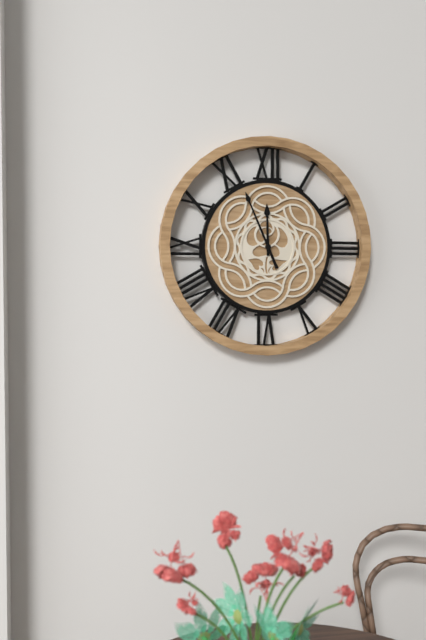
11:56
